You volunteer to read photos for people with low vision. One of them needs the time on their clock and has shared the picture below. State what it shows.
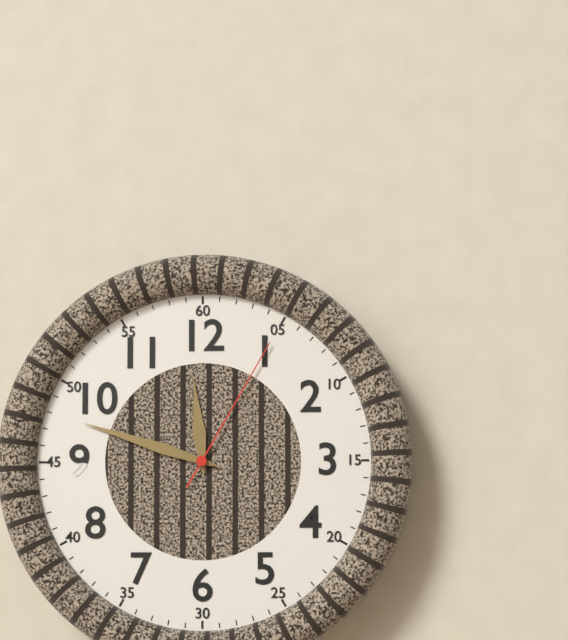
11:48:05
